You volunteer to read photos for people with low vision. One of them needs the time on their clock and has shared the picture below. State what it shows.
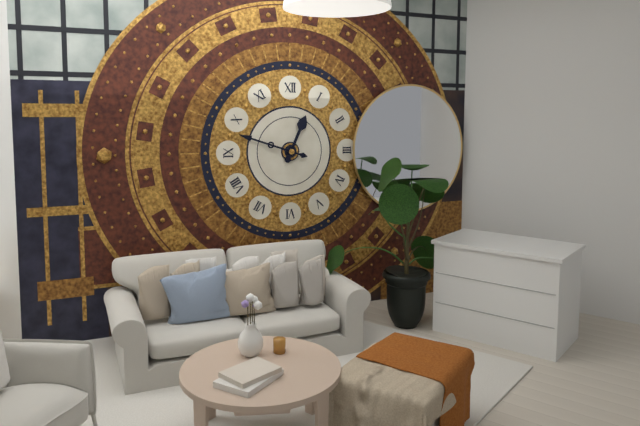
12:48
